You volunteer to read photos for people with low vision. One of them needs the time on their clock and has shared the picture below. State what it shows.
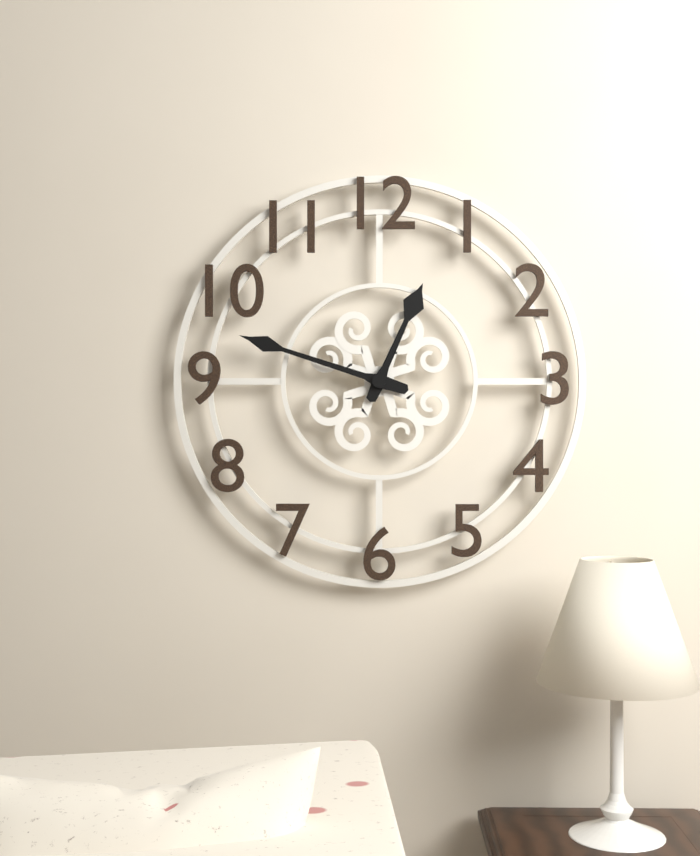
12:48
